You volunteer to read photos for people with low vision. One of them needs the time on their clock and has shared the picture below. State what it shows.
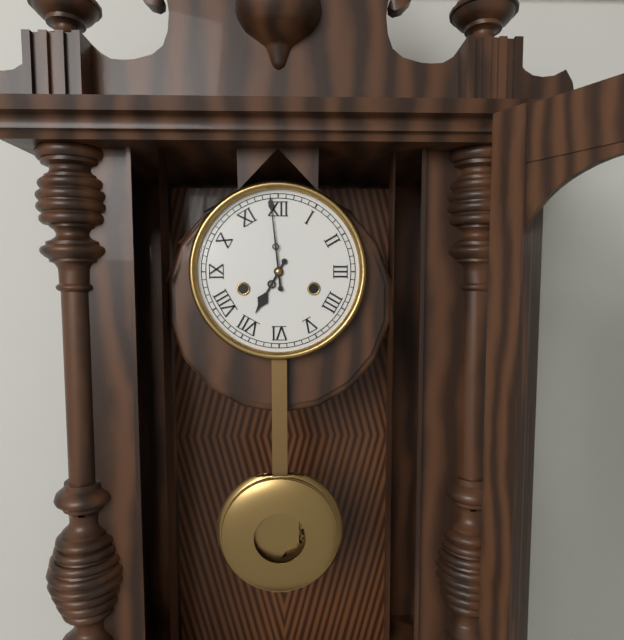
6:59
